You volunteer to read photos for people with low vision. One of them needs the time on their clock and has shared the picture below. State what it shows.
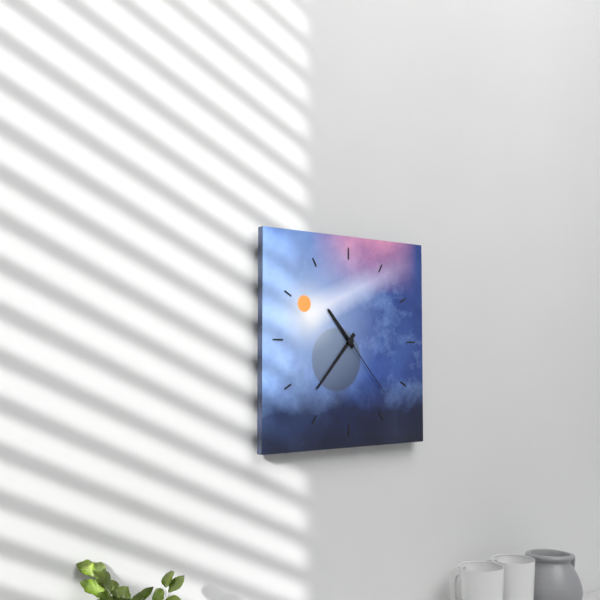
10:37:23
